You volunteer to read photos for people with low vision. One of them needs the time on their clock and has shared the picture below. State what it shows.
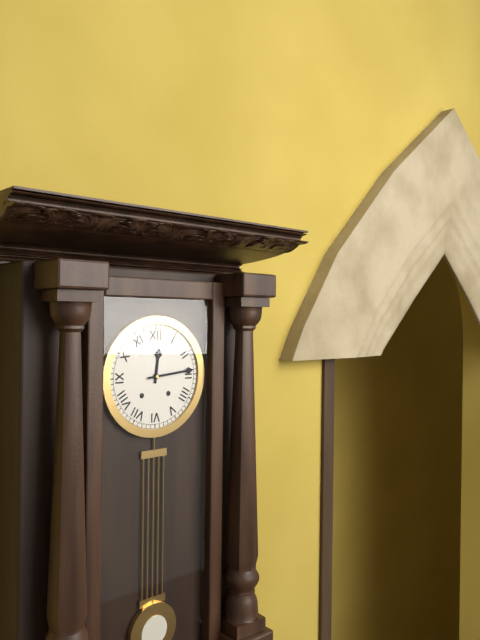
12:14
